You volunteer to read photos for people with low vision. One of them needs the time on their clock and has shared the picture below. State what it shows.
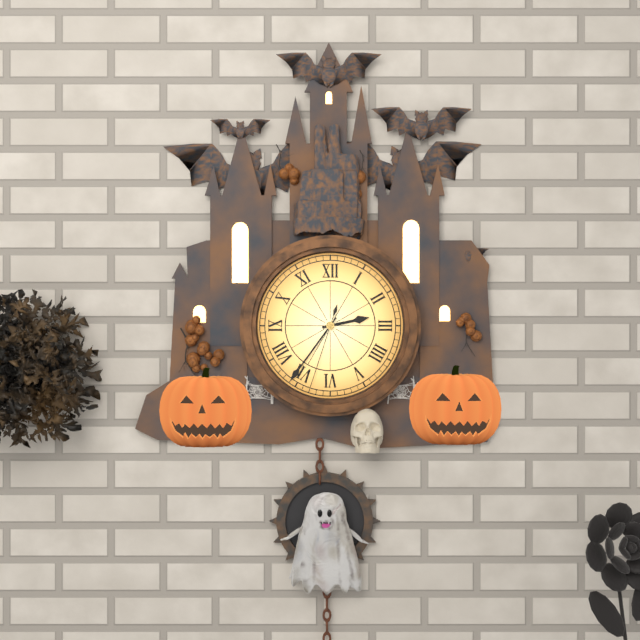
2:36:33
